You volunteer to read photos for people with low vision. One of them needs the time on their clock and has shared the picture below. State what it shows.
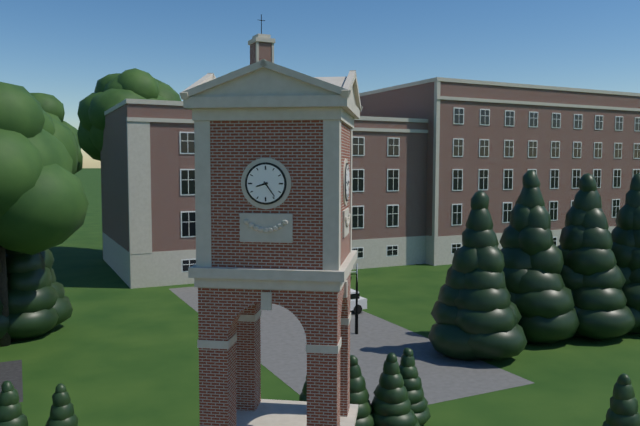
8:24
